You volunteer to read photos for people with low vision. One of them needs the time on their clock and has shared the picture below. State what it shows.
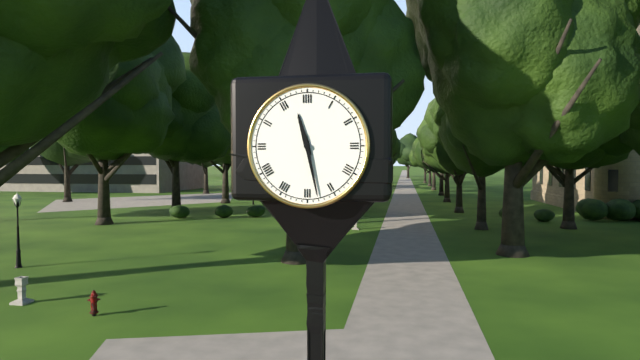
11:28
